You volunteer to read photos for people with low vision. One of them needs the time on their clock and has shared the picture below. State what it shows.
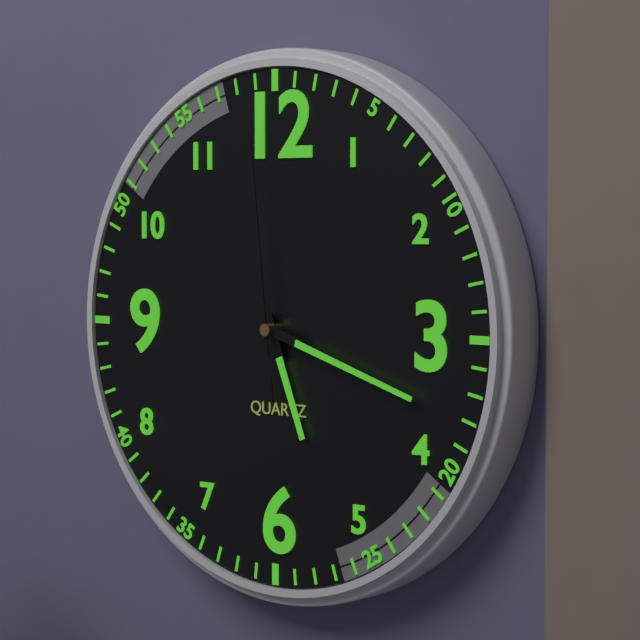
5:18:59
